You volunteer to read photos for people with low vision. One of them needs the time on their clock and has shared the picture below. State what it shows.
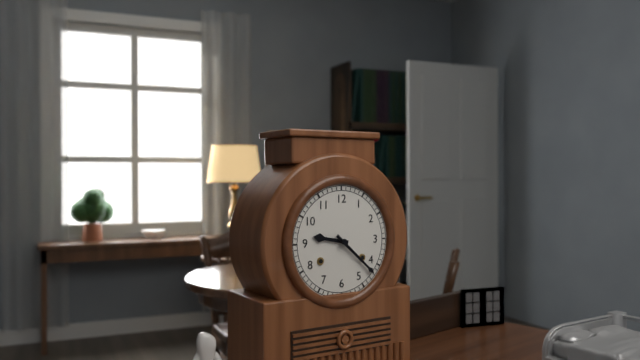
9:22
